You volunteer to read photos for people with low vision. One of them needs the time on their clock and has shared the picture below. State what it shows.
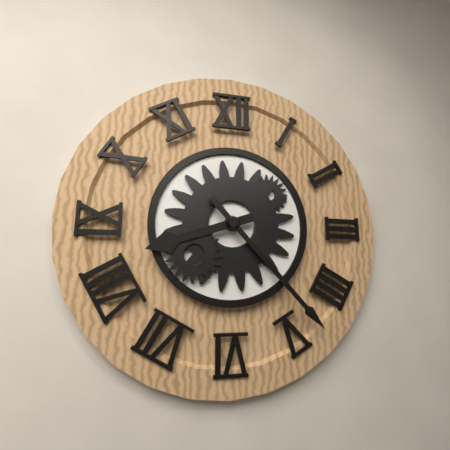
8:23
